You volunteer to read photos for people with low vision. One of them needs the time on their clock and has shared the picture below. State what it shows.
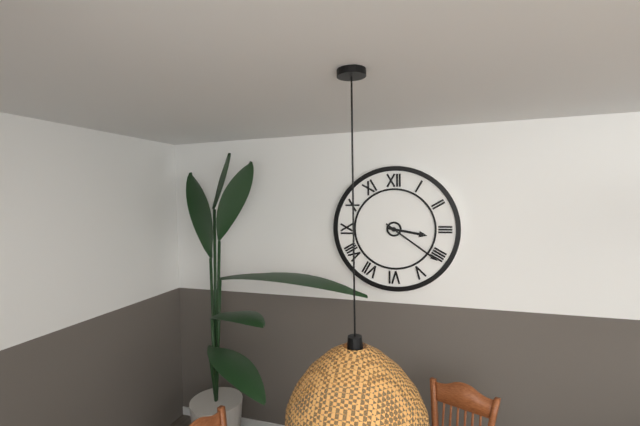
3:21
